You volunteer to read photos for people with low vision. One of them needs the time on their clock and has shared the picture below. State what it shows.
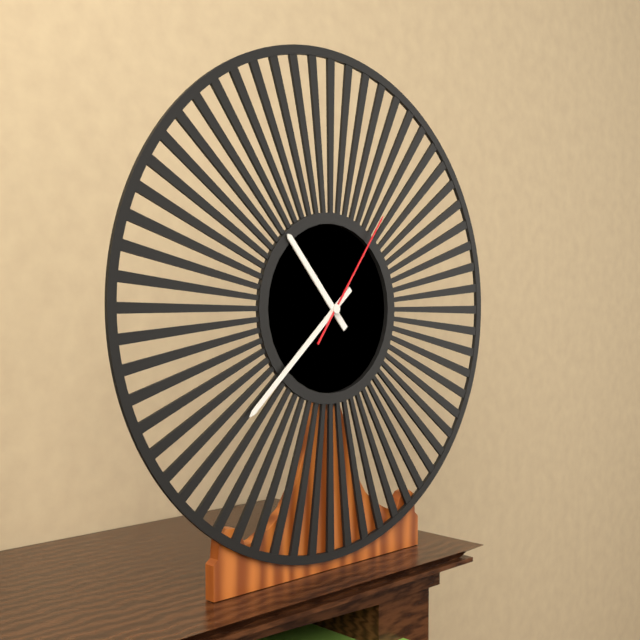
10:38:06
